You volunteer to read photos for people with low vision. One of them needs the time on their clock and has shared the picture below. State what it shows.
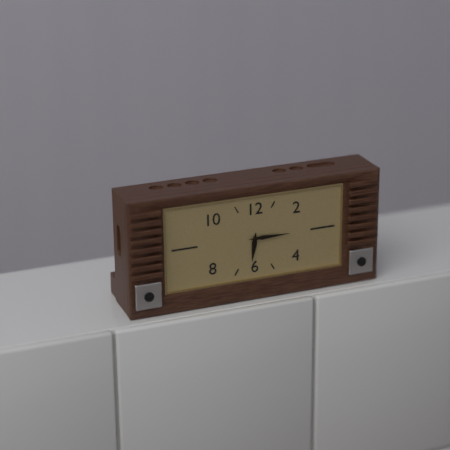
6:15
